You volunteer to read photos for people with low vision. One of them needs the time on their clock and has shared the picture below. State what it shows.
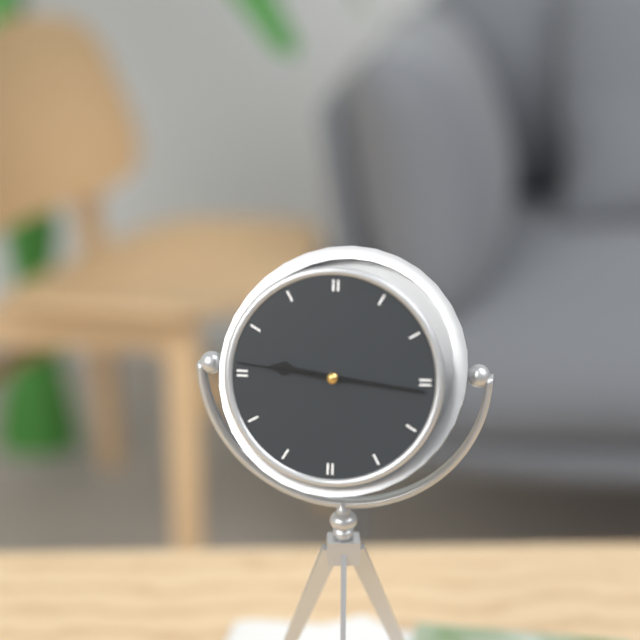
9:16:46
